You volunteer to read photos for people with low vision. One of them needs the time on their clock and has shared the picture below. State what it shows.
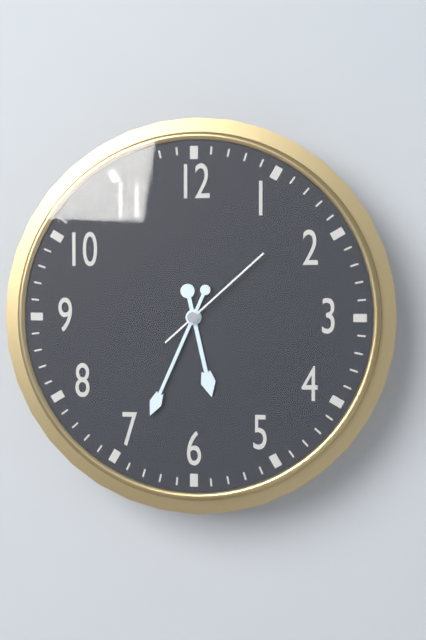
5:34:08
